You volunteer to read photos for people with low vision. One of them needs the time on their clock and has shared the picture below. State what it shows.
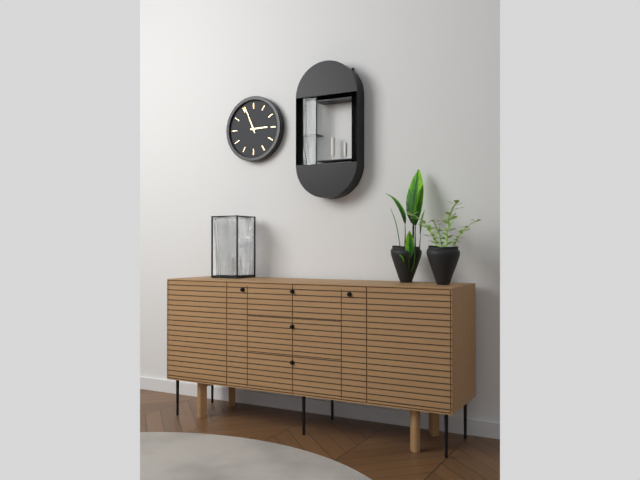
2:56
